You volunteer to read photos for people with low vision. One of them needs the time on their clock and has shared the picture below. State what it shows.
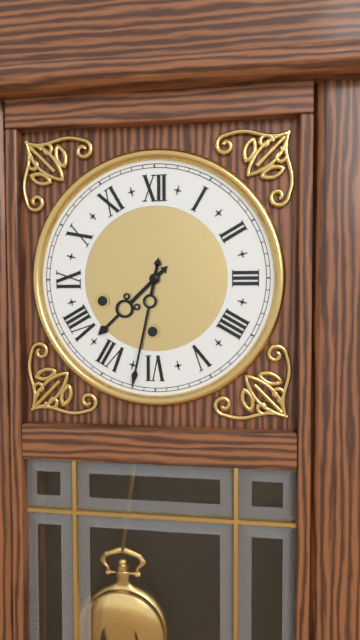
7:32
